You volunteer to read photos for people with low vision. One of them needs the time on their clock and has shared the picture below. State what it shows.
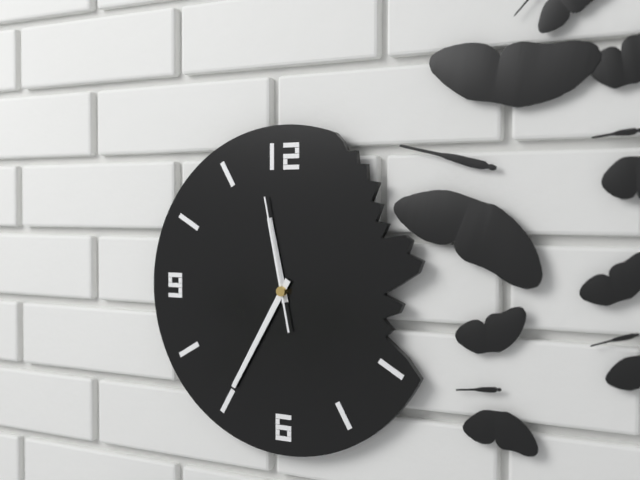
11:35:58
